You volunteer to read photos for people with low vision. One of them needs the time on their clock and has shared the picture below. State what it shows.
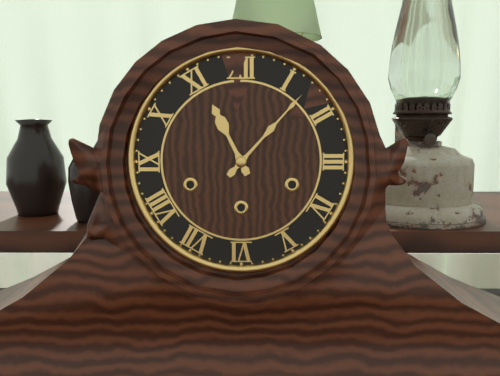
11:07
